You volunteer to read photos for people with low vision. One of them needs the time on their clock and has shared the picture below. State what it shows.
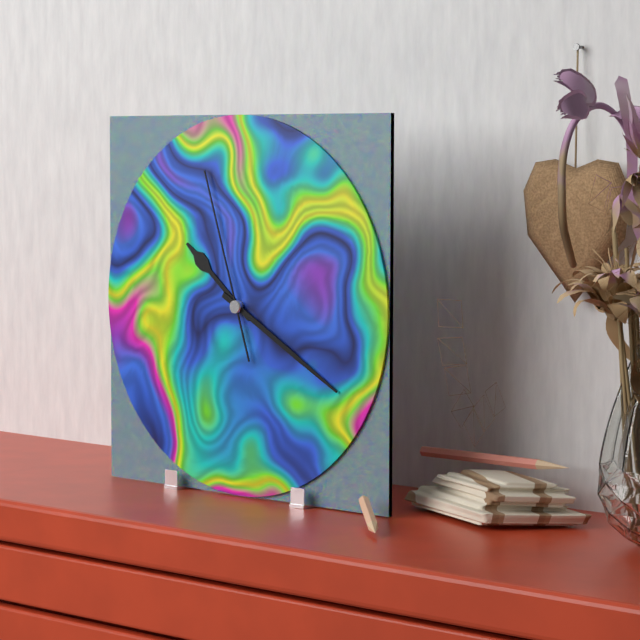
10:20:57
